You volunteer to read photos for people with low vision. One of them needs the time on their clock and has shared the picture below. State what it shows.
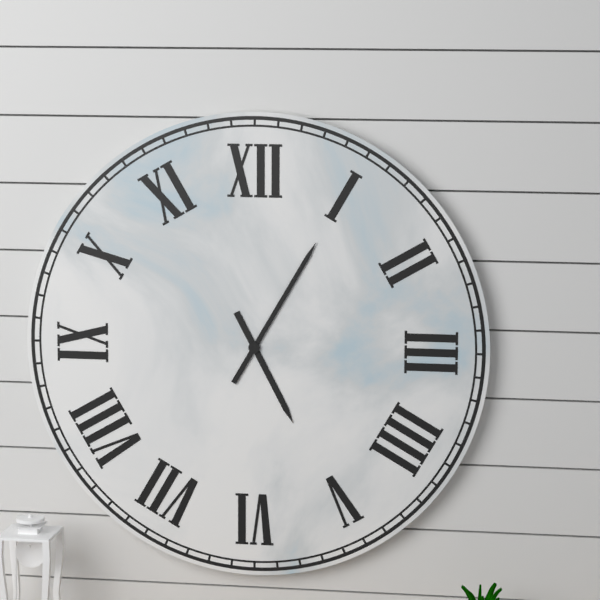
5:05
